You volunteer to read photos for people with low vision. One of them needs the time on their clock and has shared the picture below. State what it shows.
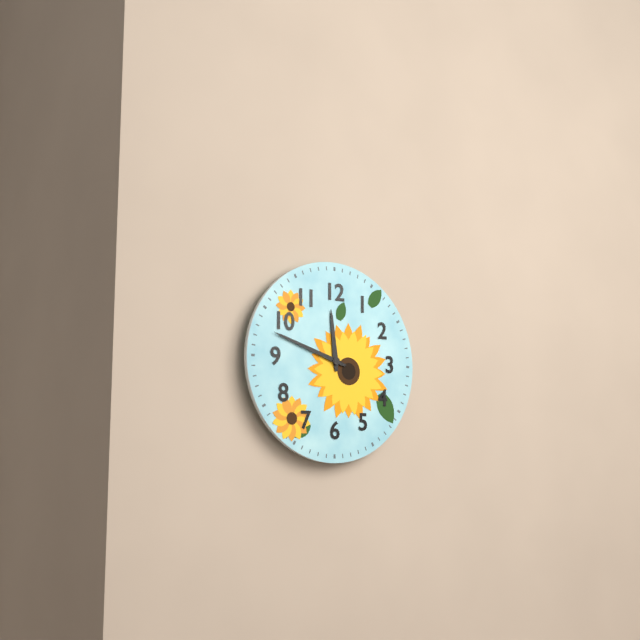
11:48
